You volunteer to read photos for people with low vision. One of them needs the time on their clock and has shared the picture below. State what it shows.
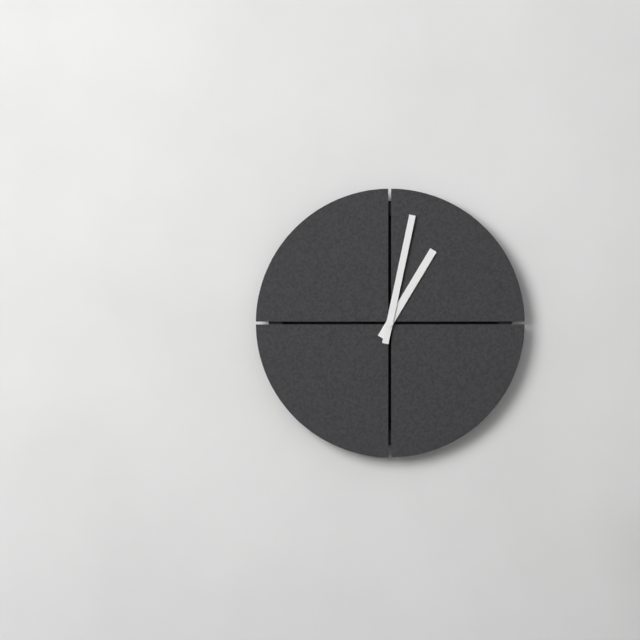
1:02
